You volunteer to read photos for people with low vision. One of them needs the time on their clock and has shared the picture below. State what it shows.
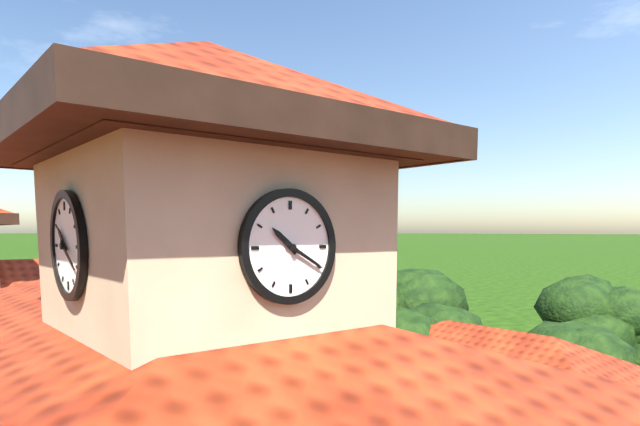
10:20
